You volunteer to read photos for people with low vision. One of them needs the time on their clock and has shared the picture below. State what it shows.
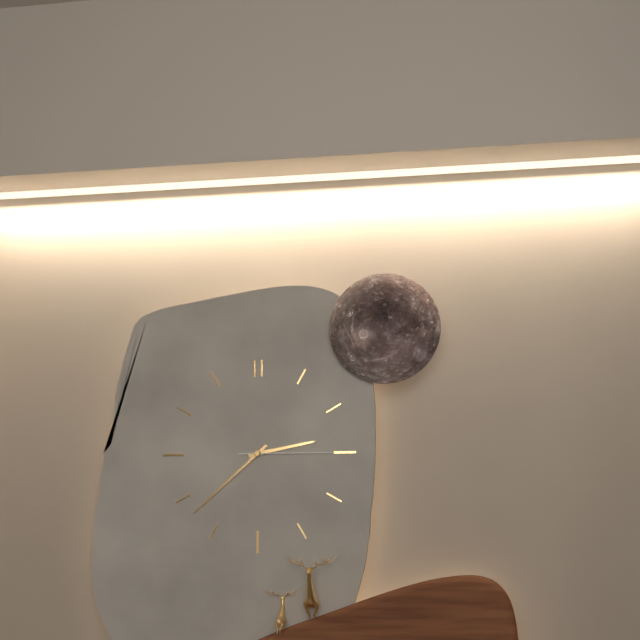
2:38:15
